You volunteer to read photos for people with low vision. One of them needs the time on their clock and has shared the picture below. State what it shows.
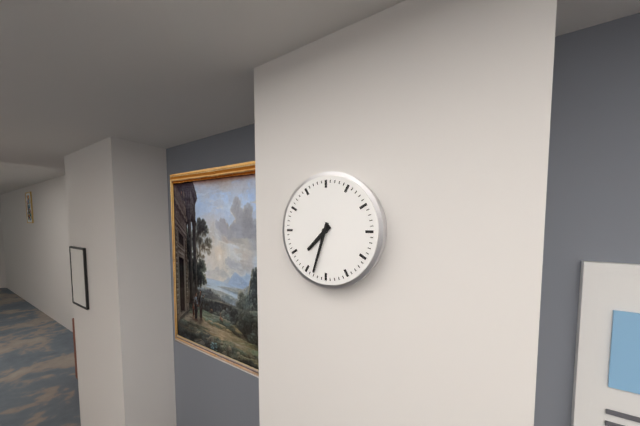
7:33
